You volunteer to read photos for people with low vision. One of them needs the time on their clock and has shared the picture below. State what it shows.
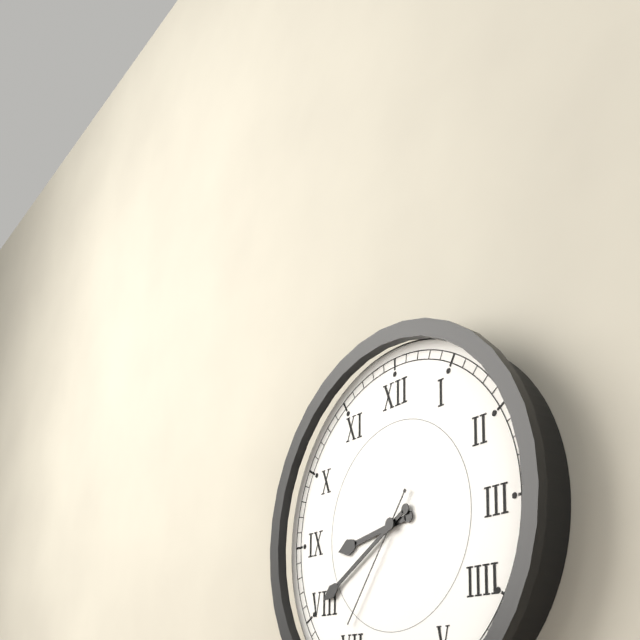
8:40:36
